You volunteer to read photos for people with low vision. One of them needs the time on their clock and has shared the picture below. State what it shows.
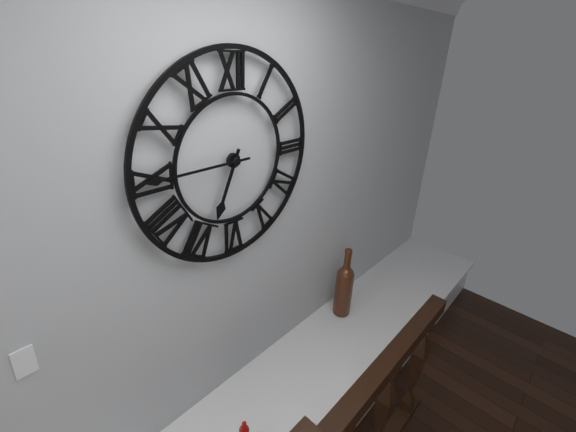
6:45
